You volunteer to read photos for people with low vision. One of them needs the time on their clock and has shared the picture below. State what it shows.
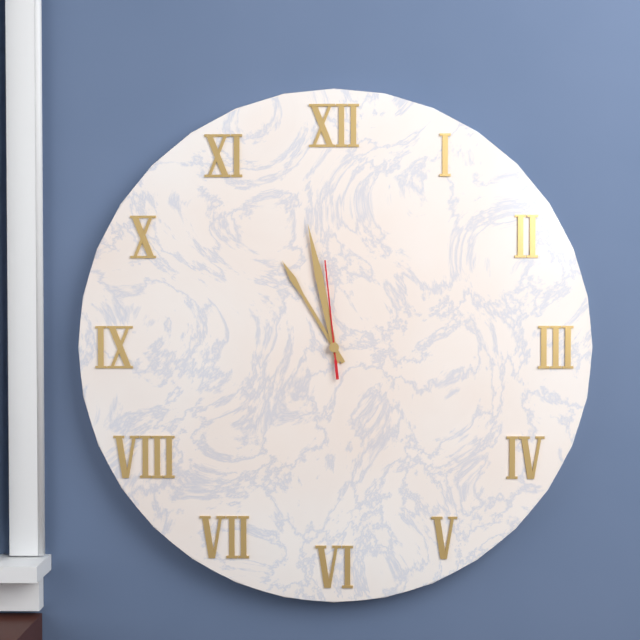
10:58:59
